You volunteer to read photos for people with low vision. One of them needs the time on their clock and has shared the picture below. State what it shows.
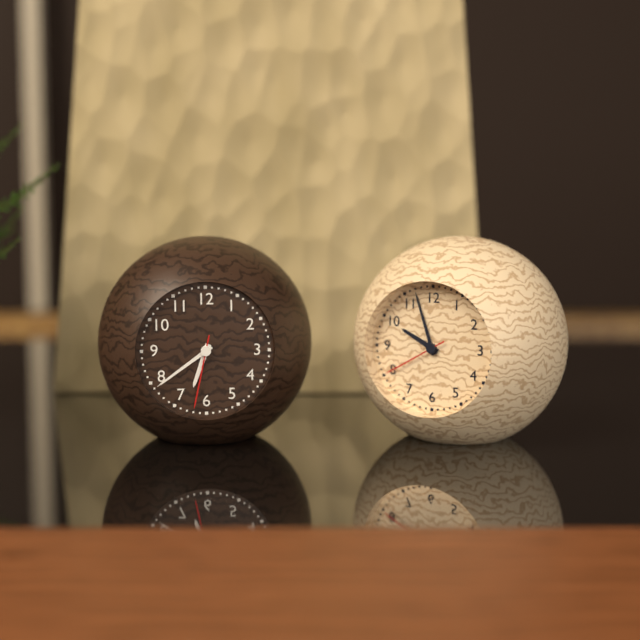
6:39:32
